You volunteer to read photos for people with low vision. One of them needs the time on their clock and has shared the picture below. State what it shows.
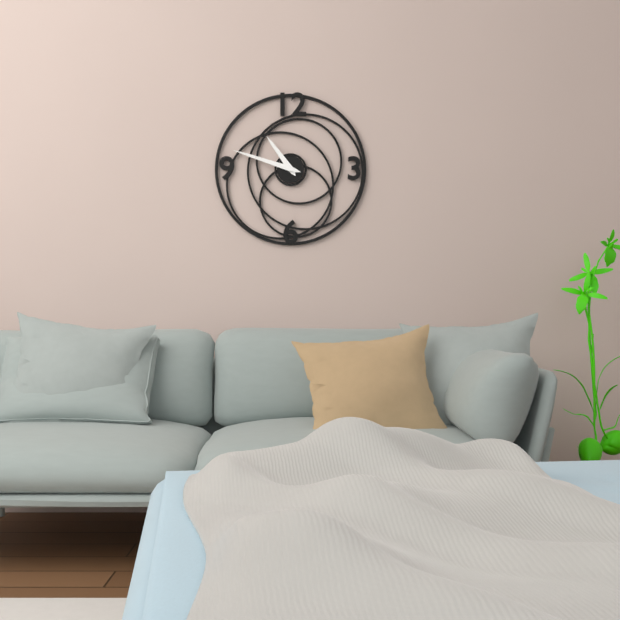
10:48
